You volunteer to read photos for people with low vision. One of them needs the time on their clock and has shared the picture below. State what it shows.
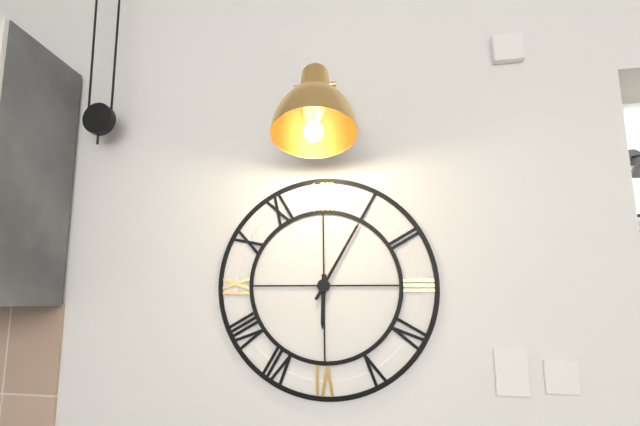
6:05
